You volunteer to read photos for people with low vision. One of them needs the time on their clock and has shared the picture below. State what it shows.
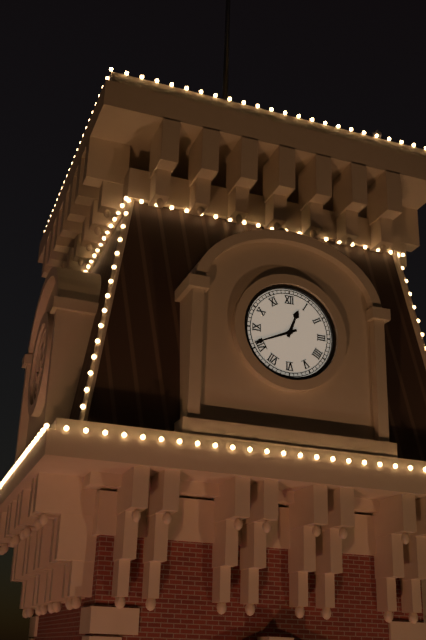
12:41
